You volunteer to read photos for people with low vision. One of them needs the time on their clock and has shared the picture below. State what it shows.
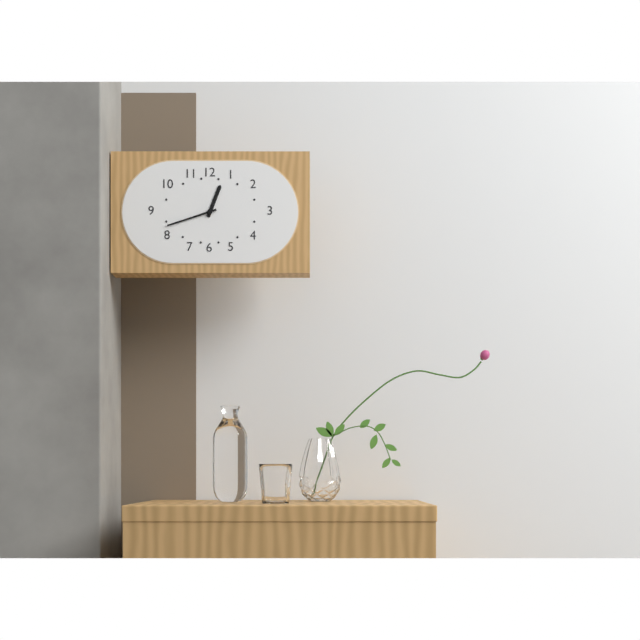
12:42
